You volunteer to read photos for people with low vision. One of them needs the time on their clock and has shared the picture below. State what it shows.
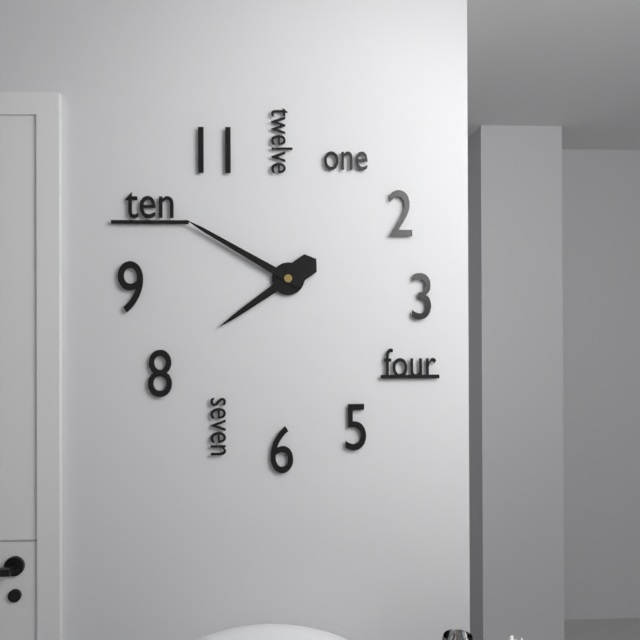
7:50
